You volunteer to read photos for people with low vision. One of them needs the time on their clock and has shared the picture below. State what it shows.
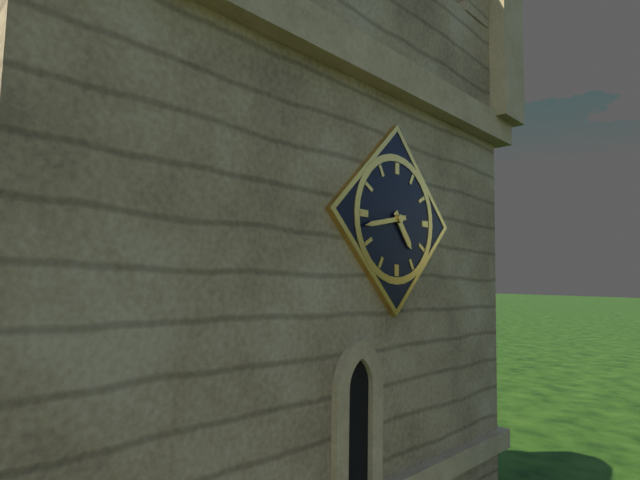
4:43
